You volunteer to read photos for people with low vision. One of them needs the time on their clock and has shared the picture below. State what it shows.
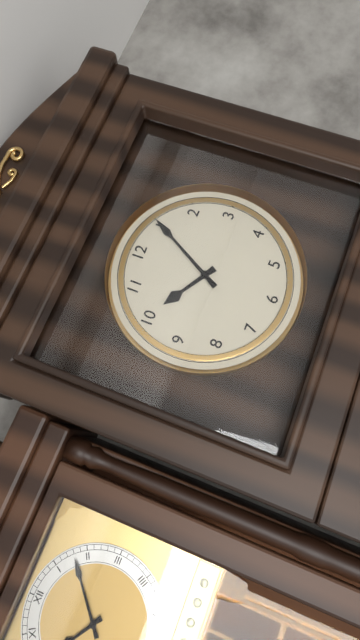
10:05
